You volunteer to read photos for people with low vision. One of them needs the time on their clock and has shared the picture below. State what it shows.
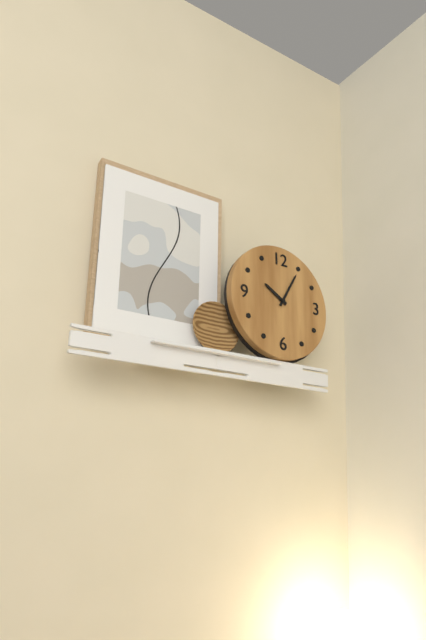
10:05
